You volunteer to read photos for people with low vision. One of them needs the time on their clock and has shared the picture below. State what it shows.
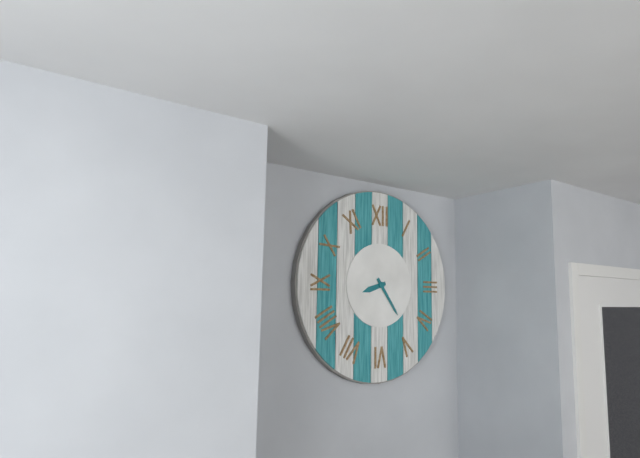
8:24
